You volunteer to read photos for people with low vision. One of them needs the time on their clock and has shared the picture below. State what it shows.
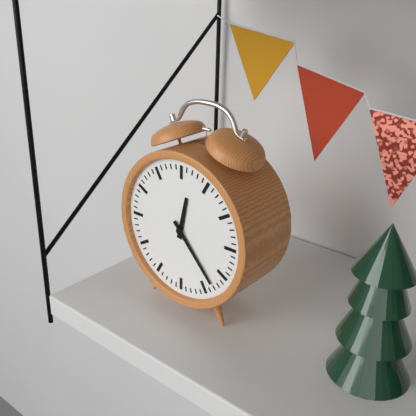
12:23
